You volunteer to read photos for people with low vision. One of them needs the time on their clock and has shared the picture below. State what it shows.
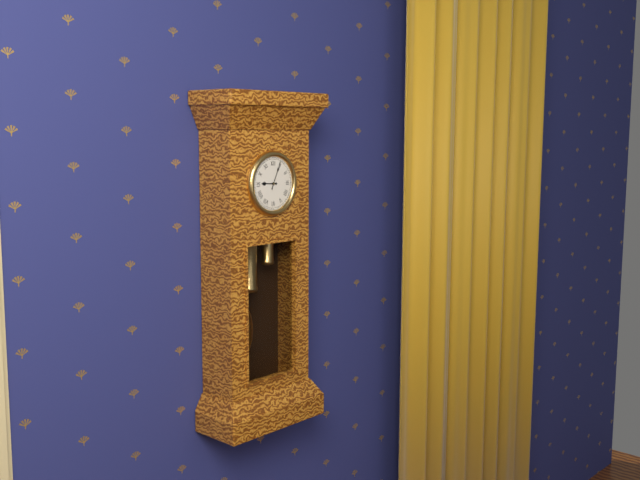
9:04
